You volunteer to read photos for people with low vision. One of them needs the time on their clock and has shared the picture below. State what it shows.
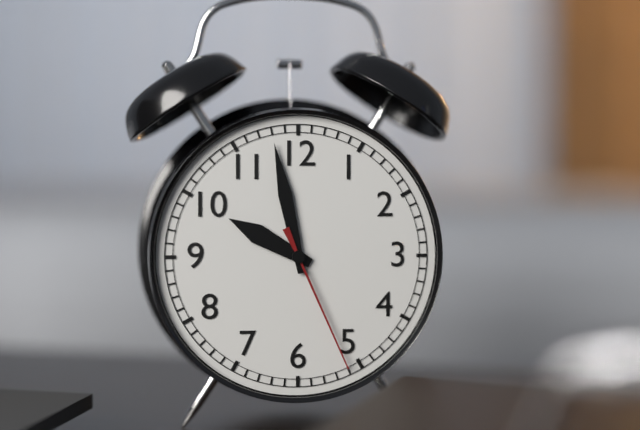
9:58:26
